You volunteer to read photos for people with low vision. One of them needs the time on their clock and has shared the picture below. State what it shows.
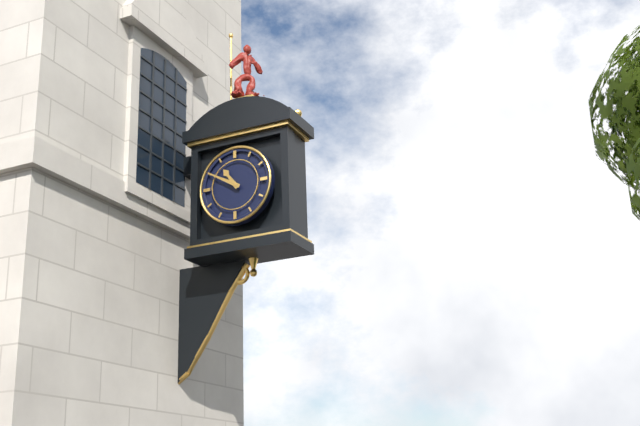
10:50
